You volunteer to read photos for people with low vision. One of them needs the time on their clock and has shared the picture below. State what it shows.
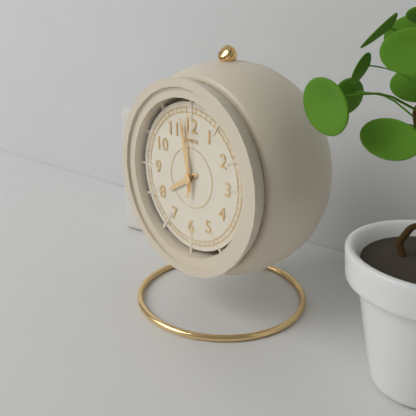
7:58:00
